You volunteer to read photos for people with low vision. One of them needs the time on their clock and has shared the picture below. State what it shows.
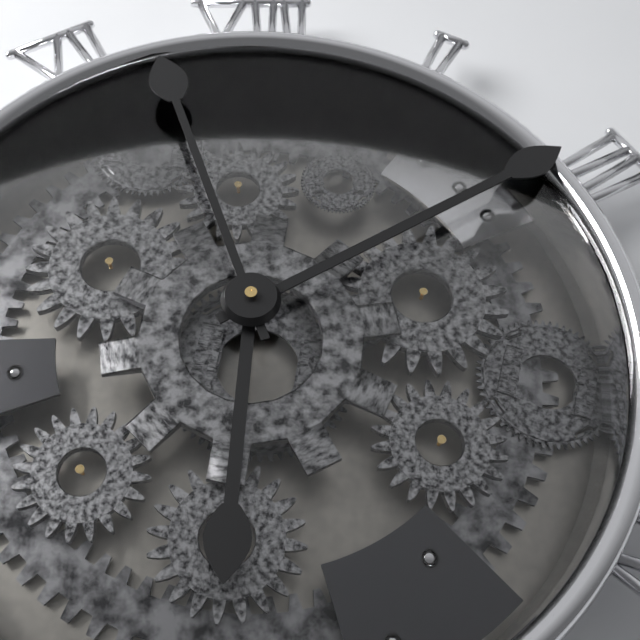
6:10:57
